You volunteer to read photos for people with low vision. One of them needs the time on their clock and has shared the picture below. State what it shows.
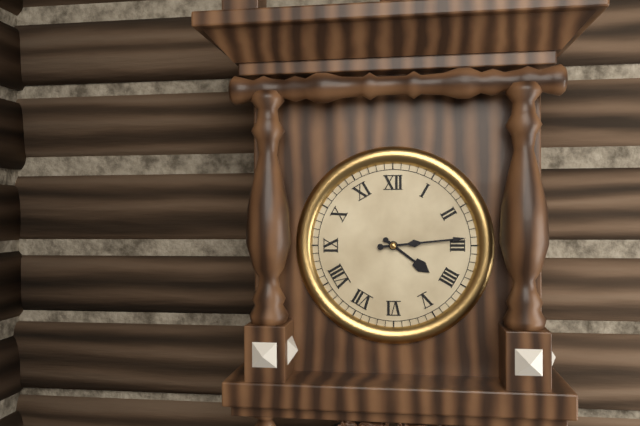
4:14
